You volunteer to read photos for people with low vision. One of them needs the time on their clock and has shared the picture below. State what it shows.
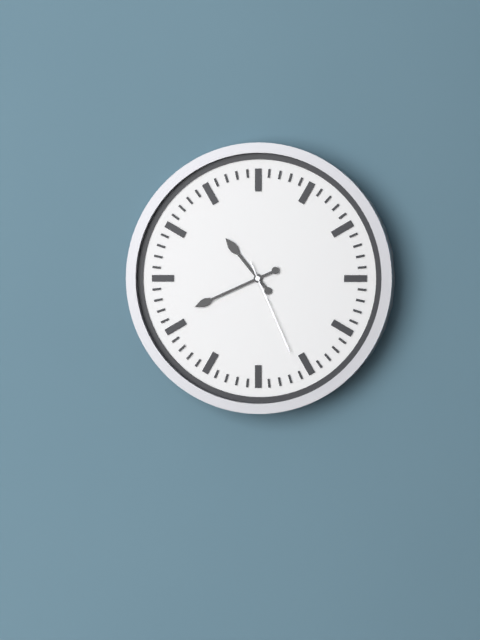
10:41:26
